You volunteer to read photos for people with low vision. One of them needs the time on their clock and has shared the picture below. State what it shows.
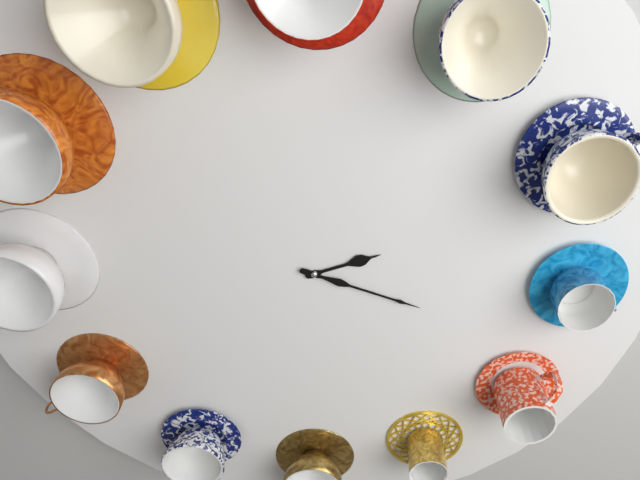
2:18
